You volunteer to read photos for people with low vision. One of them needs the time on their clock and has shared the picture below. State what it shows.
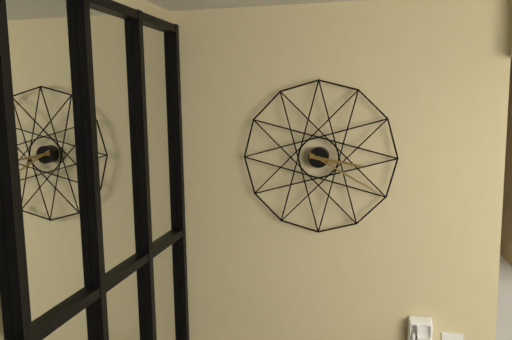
3:20
